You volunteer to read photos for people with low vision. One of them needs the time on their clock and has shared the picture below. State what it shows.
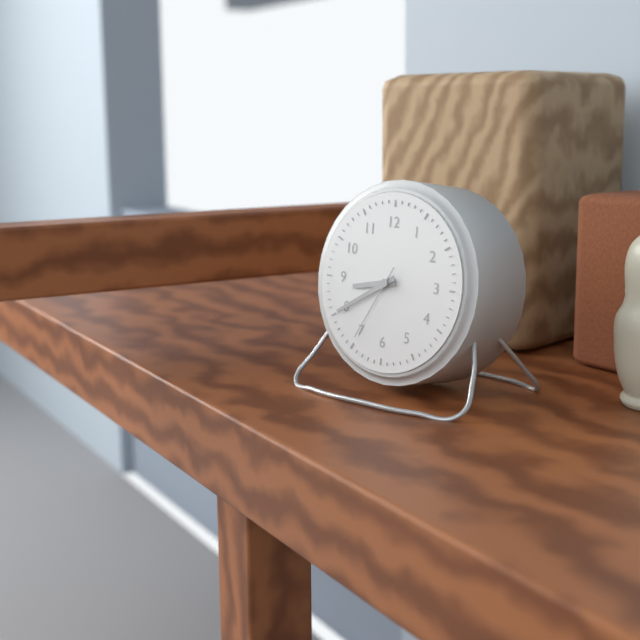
8:40:35
